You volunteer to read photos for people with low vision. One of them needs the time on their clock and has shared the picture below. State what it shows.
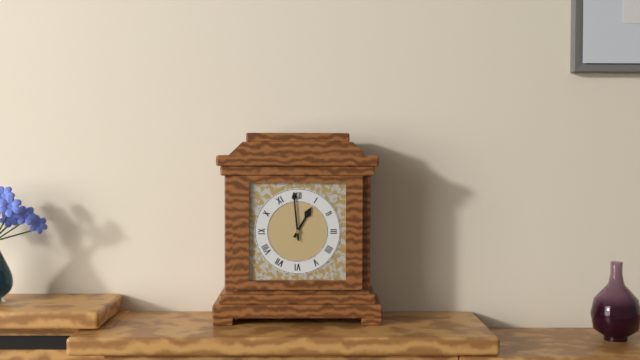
12:59
